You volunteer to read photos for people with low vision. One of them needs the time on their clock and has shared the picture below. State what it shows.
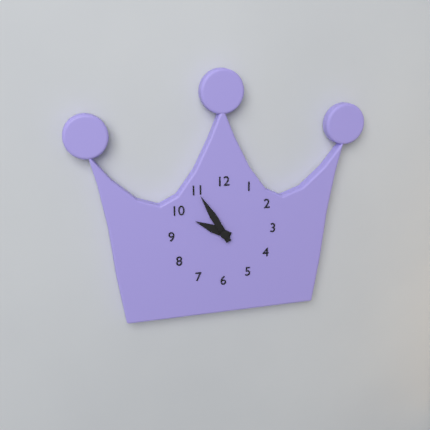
9:55
